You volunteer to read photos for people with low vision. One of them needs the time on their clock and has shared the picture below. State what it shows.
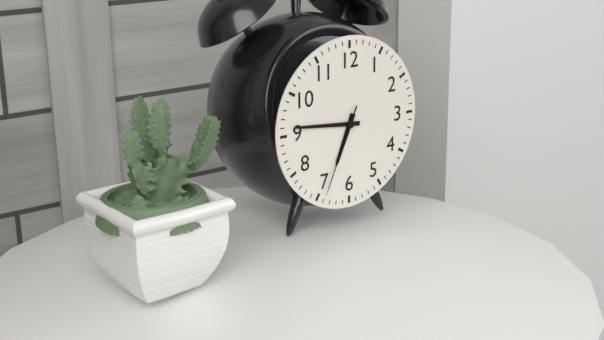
6:46:34
